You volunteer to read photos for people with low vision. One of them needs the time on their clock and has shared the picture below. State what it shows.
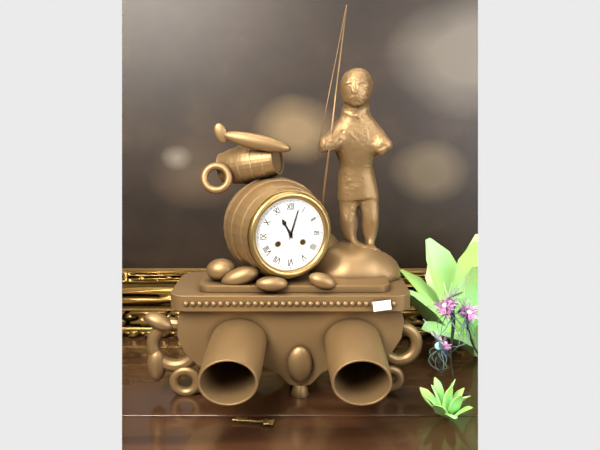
11:03
